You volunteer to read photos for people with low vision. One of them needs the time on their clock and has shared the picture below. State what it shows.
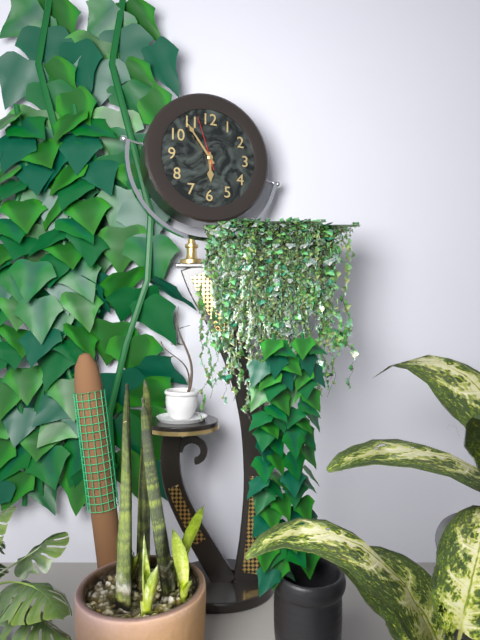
5:54:57
